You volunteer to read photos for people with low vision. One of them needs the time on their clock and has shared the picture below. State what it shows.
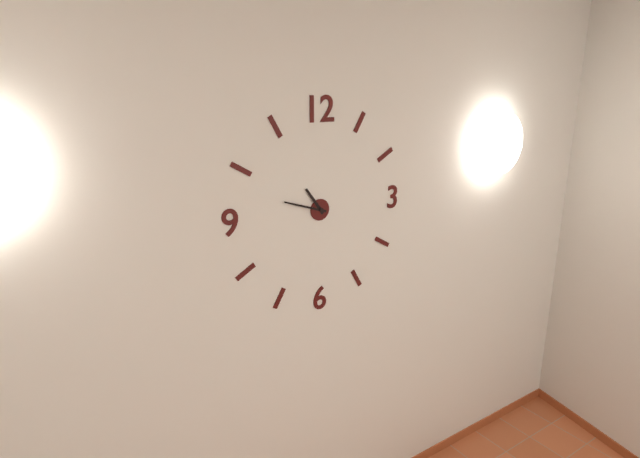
10:48
